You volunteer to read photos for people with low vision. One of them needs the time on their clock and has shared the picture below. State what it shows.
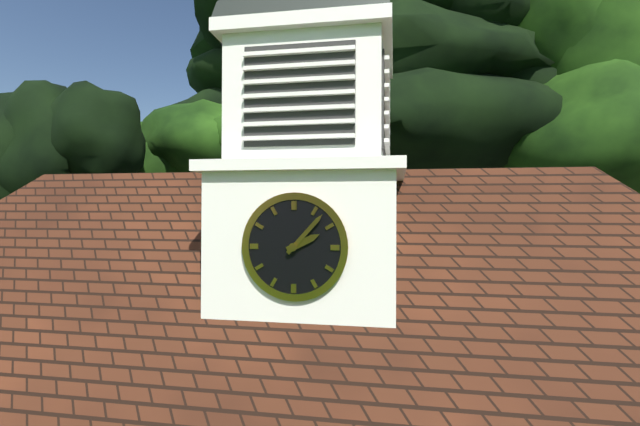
2:07
